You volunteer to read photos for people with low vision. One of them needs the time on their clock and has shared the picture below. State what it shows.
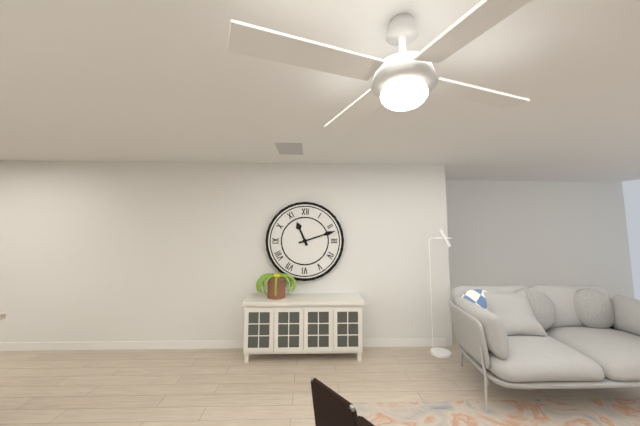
11:12
